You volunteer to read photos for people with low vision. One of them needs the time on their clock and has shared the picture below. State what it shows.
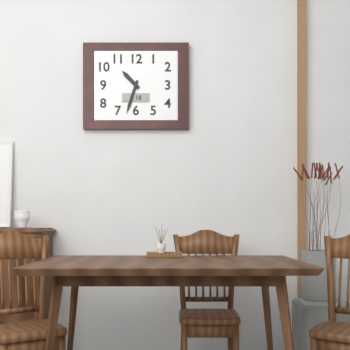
10:33
